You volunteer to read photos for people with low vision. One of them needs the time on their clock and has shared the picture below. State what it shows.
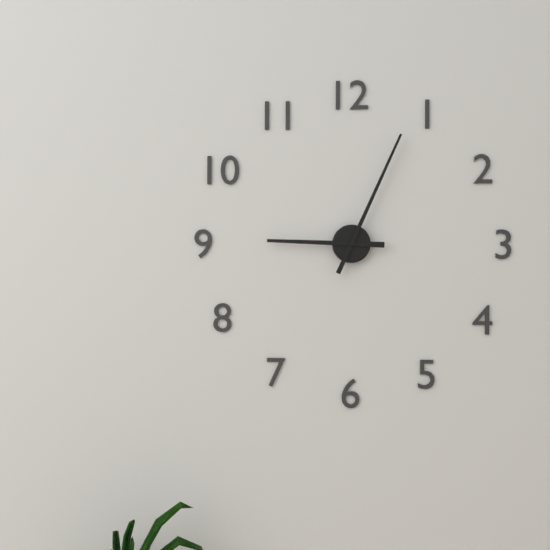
9:04
